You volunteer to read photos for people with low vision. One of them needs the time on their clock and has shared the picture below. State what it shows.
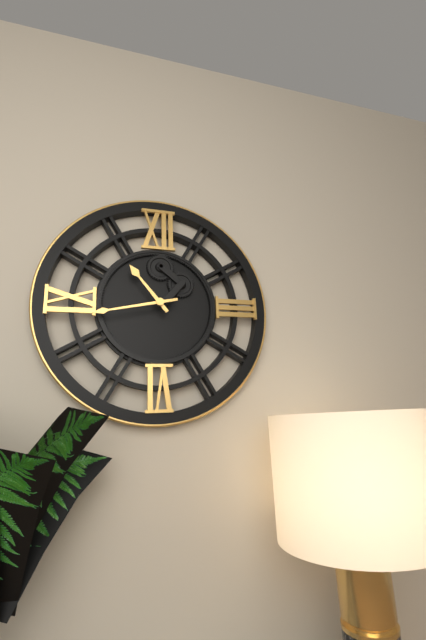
10:43
